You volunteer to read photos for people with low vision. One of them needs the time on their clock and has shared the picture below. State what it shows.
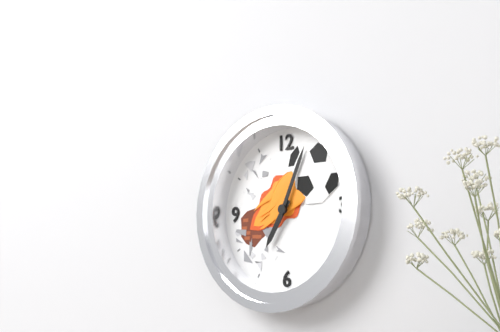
7:04
